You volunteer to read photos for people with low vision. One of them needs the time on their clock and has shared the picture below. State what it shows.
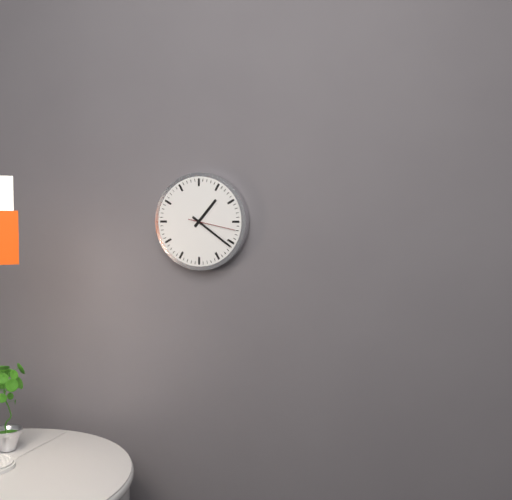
1:21
